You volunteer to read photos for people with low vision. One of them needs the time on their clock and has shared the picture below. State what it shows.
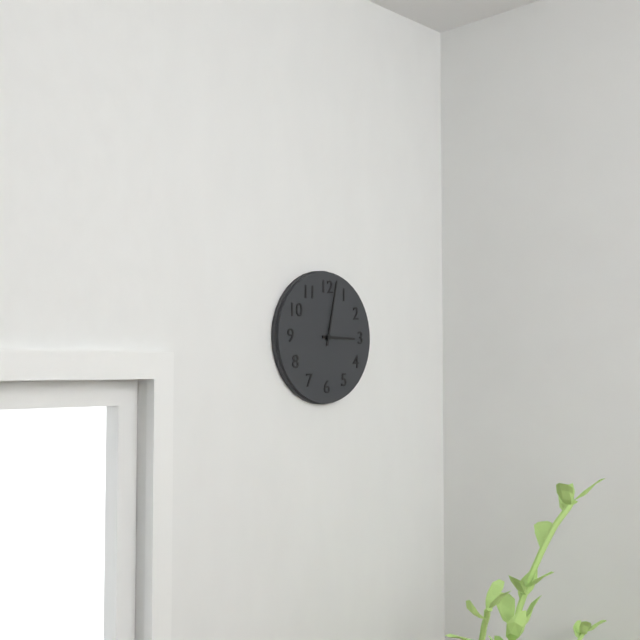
3:02
